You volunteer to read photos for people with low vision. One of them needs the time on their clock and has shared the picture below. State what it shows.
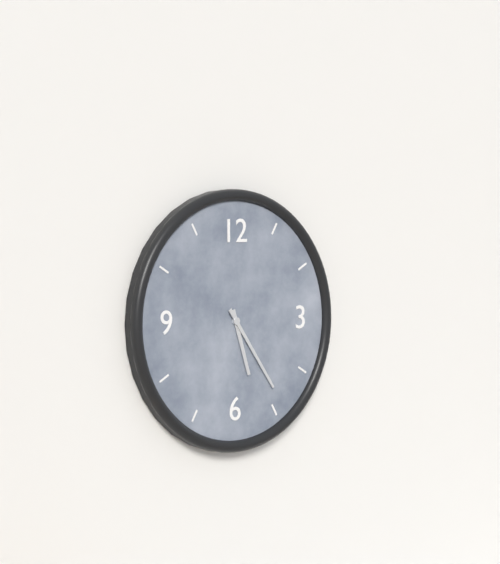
5:24
